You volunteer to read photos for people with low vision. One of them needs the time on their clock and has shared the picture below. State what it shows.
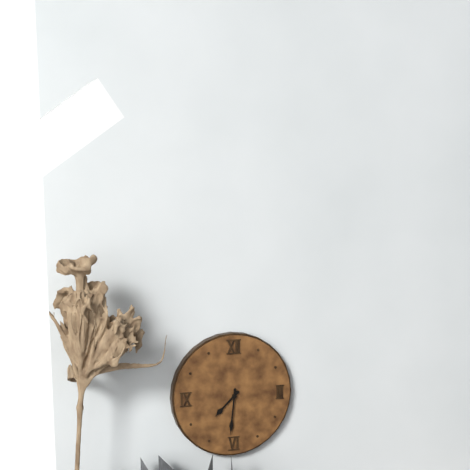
7:31
